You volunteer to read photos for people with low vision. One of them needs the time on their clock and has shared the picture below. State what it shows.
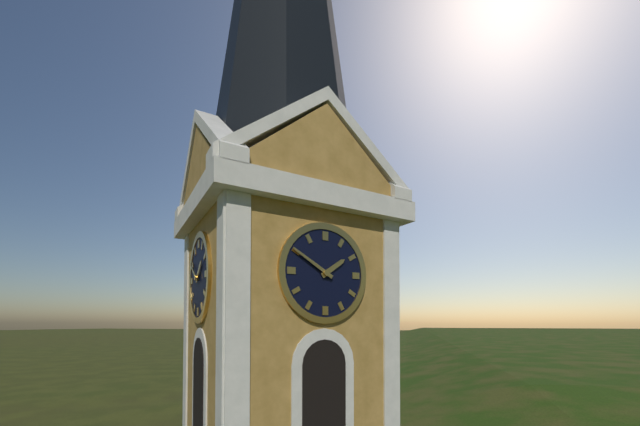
1:50
